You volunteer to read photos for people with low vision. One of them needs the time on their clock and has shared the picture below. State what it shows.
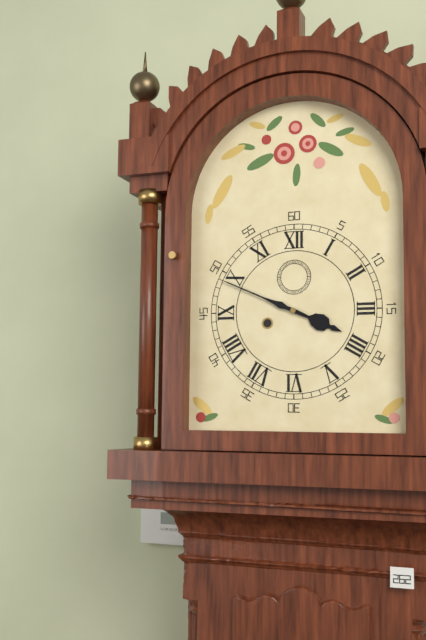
3:49
